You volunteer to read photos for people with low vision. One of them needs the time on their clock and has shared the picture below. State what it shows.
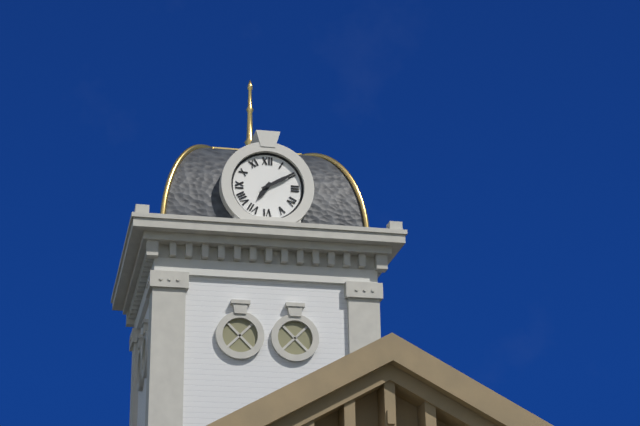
7:10
